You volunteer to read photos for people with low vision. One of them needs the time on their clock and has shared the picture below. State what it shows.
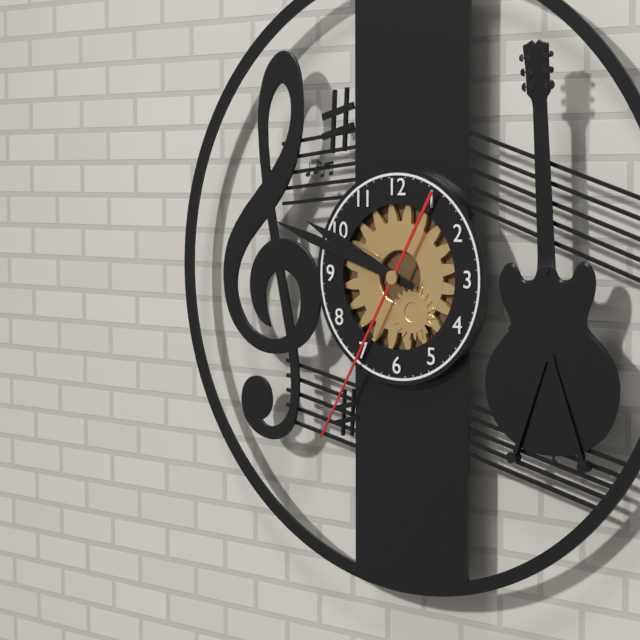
9:48:35
